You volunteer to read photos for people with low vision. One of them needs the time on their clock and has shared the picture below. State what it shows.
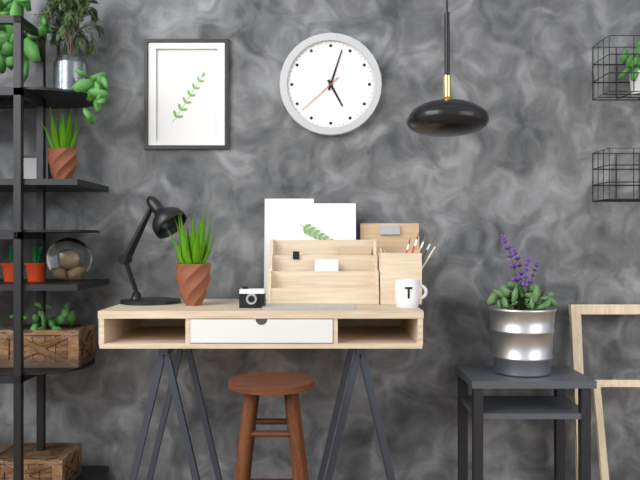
5:03
